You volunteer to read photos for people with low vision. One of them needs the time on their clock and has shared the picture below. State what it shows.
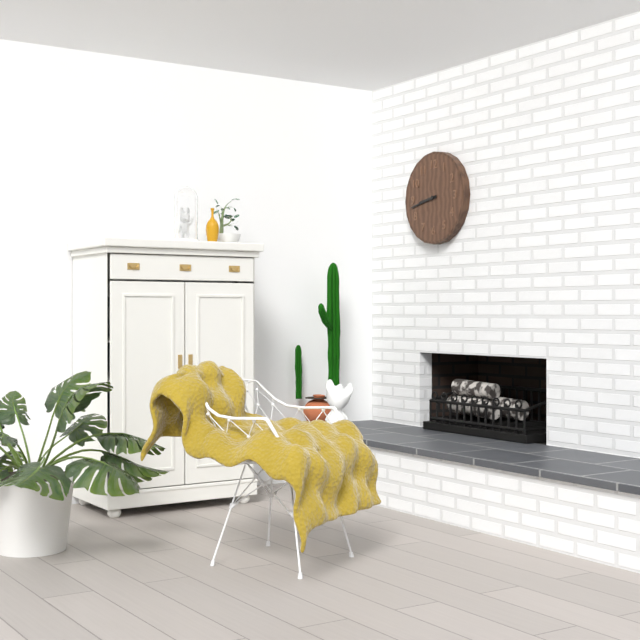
8:43
